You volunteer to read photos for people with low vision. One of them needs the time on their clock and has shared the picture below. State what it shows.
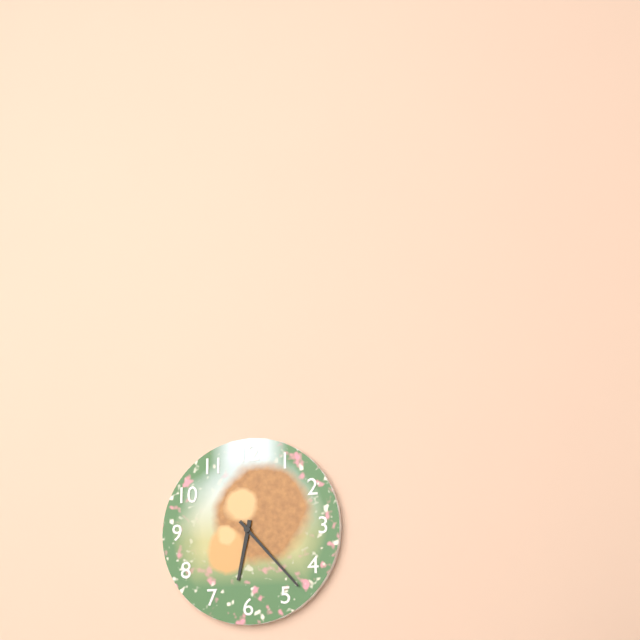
6:23
